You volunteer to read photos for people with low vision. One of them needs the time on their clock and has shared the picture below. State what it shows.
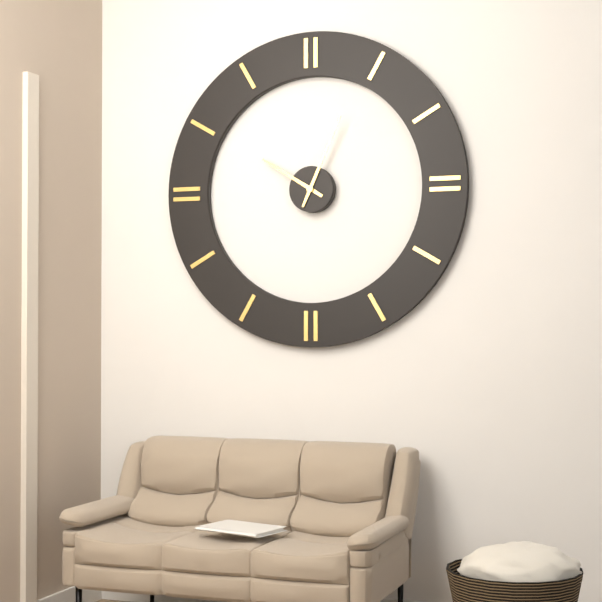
10:04
